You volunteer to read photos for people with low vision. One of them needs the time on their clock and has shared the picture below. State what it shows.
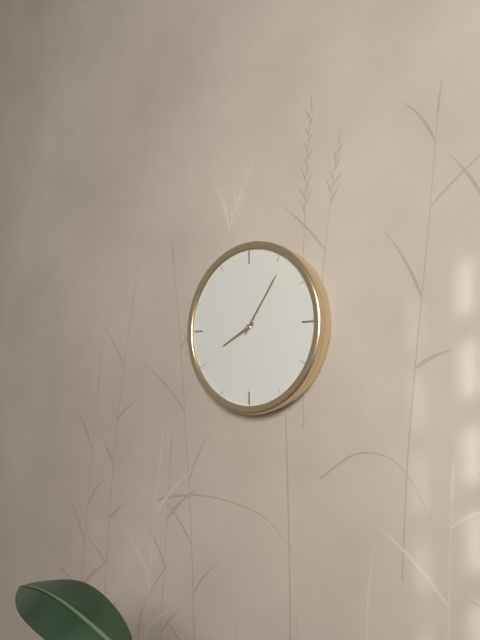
8:06
